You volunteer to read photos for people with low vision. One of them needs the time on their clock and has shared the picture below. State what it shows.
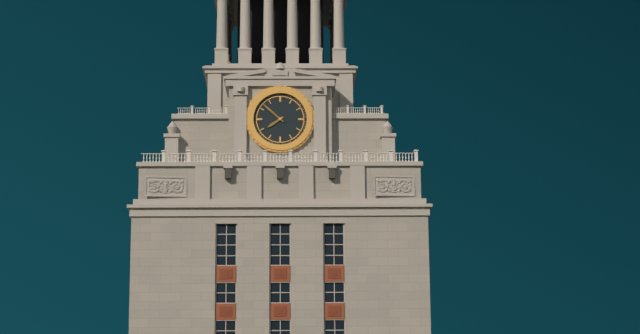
7:52
